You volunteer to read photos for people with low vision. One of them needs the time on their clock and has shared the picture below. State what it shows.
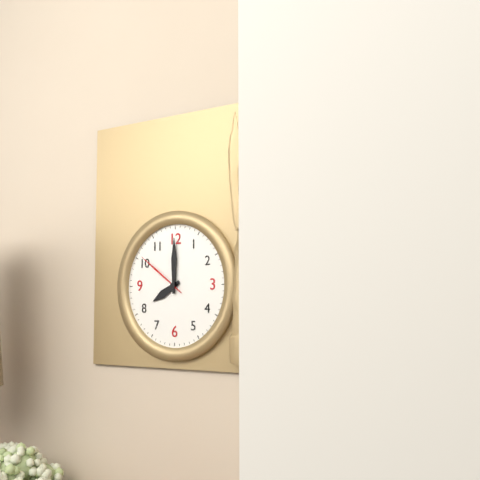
8:00:51
